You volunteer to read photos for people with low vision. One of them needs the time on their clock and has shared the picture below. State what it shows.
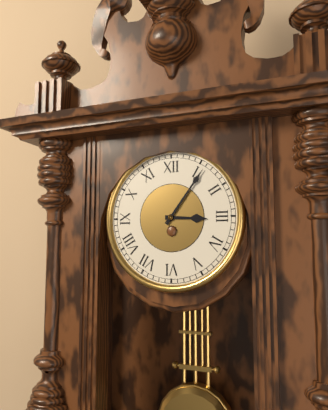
3:06
